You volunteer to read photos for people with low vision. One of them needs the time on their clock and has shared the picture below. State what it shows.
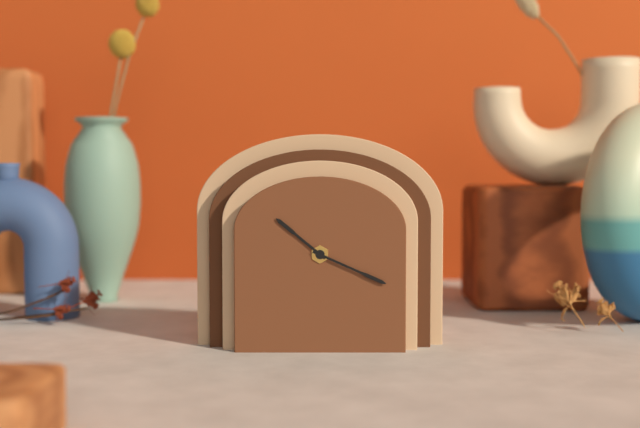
10:19
